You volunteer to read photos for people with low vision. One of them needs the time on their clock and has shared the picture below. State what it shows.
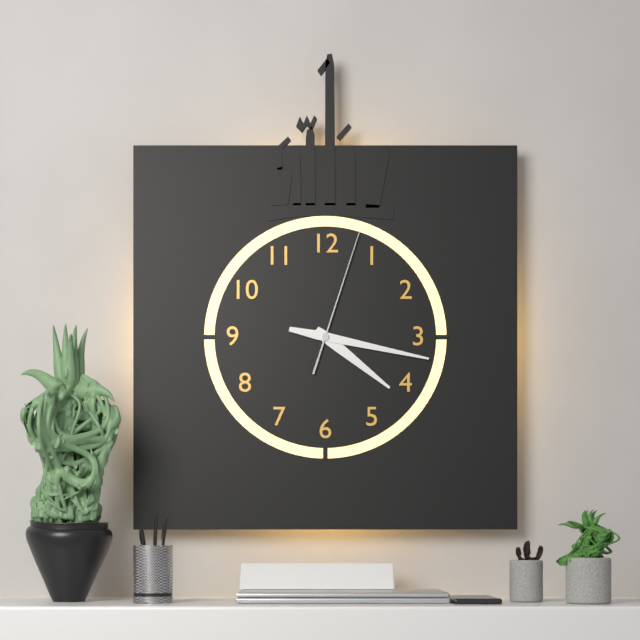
4:17:03
